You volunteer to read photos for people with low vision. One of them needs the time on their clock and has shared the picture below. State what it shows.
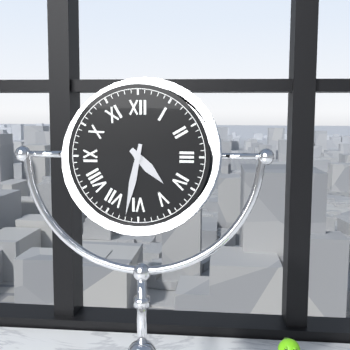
4:32
